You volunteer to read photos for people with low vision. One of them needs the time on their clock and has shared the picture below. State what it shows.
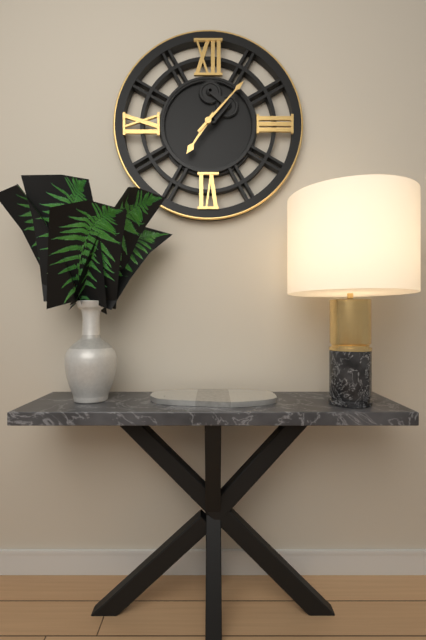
7:07
